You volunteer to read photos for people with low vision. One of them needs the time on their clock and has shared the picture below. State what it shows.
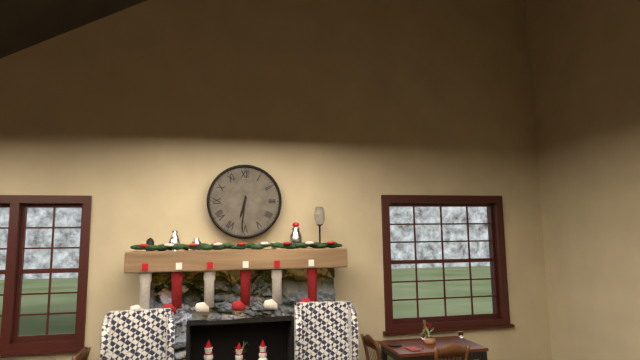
6:31
